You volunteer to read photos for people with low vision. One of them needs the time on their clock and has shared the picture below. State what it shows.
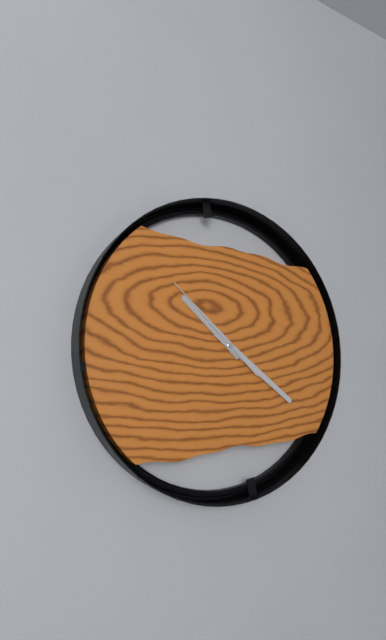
10:21:52
